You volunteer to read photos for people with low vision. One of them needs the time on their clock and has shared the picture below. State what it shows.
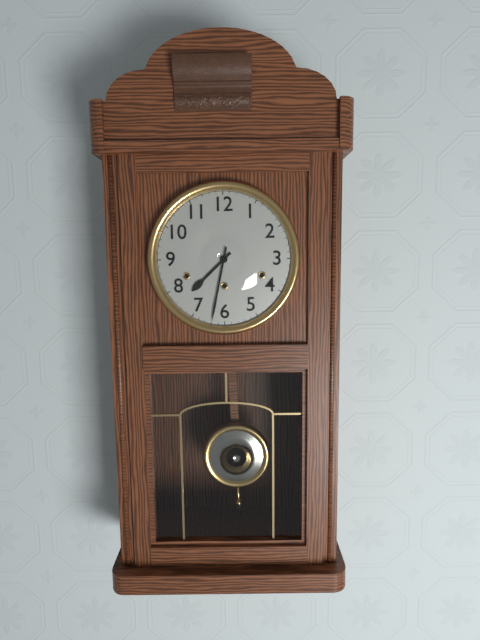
7:32
